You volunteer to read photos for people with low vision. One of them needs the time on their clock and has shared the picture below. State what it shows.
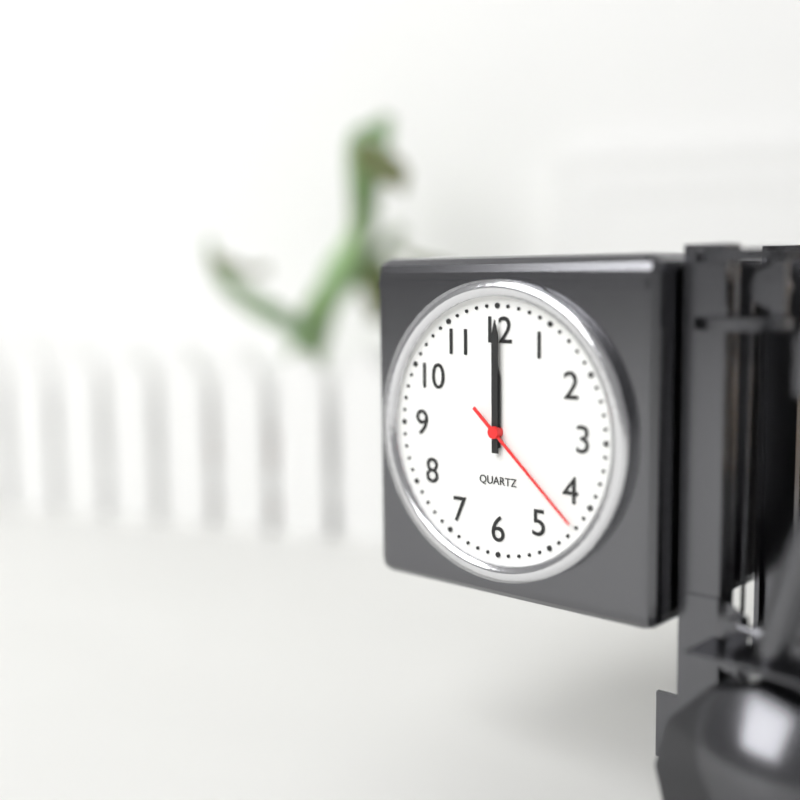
12:00:22
